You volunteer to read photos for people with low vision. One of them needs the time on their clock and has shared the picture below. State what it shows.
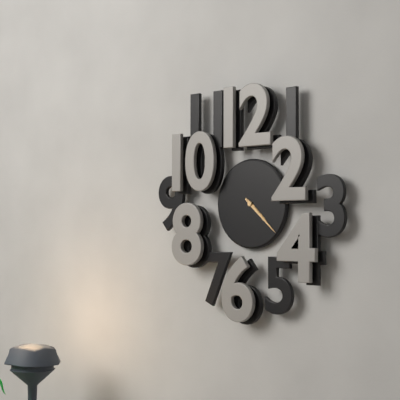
4:22
